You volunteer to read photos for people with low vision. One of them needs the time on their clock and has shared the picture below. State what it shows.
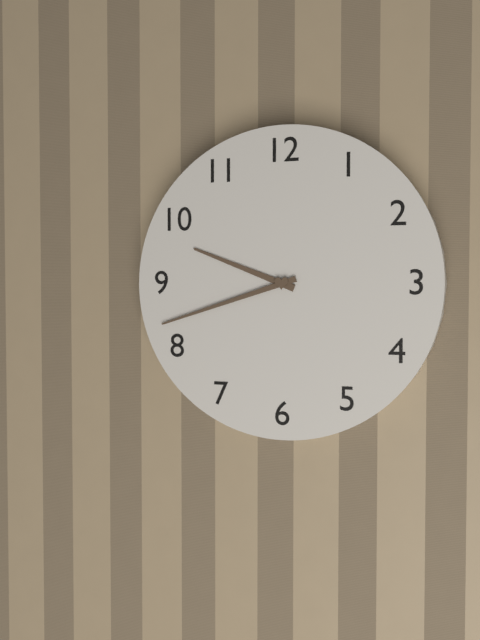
9:42
